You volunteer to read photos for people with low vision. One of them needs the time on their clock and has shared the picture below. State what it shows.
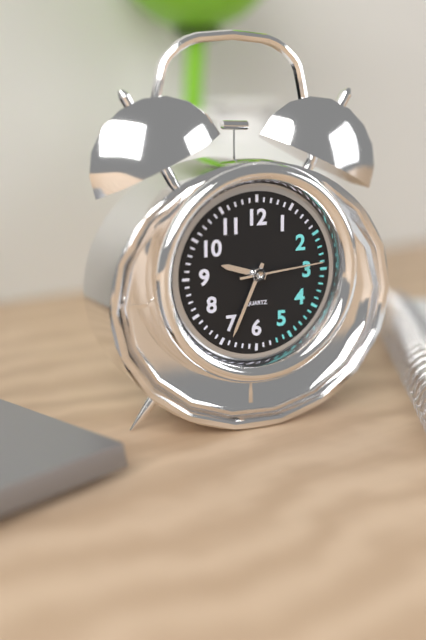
9:34:14
